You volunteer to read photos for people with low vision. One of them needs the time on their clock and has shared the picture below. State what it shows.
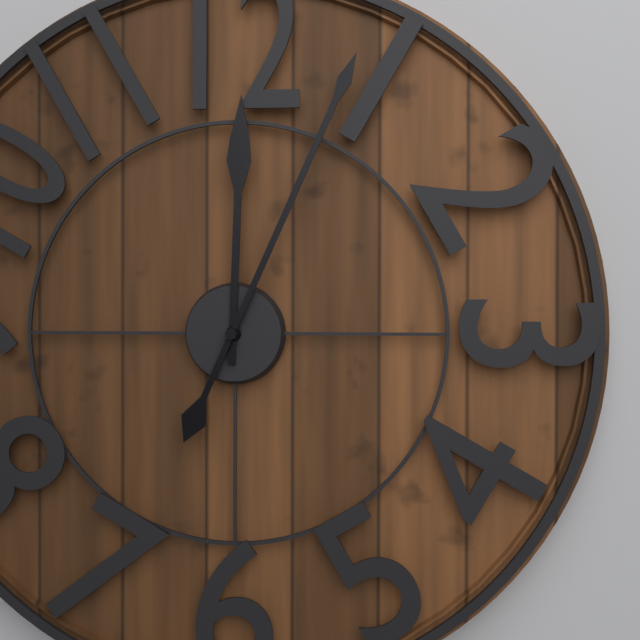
12:04
